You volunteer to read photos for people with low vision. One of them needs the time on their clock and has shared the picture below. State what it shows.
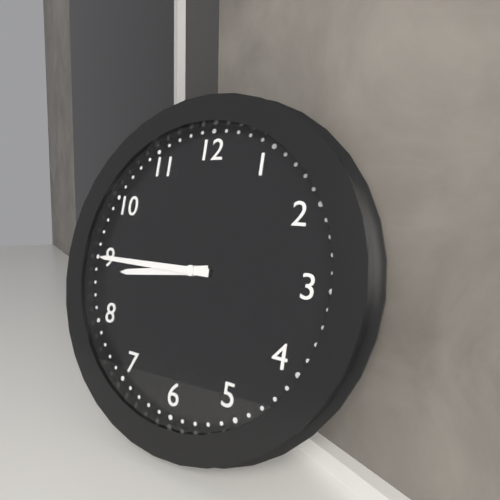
8:45
